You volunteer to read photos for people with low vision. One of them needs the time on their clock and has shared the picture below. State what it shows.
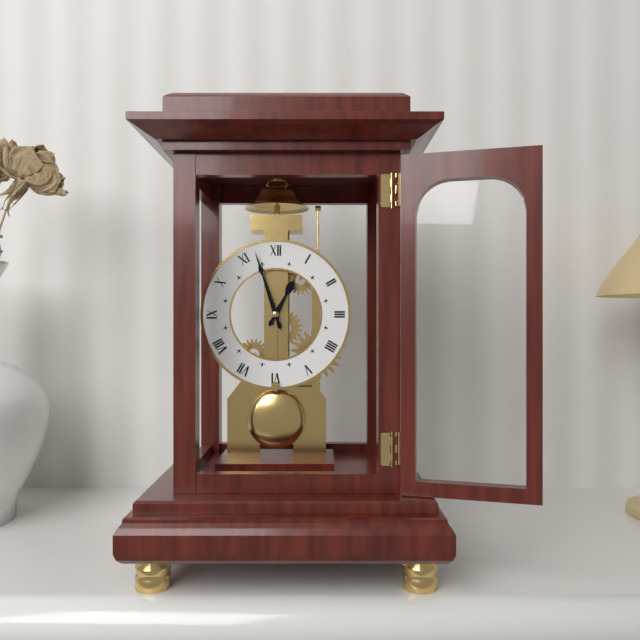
12:57
